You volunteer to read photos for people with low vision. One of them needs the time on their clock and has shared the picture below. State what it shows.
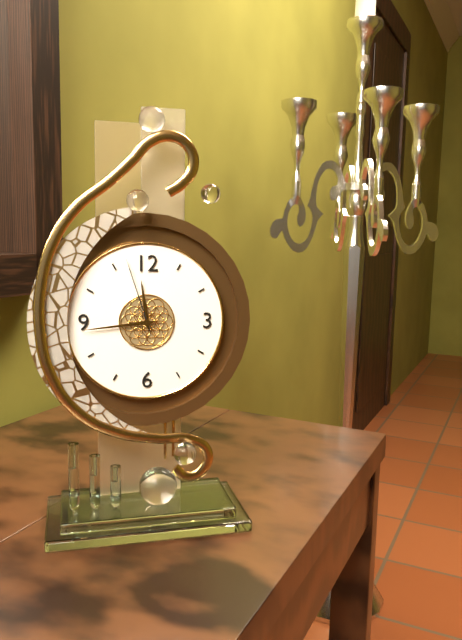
11:44:57
